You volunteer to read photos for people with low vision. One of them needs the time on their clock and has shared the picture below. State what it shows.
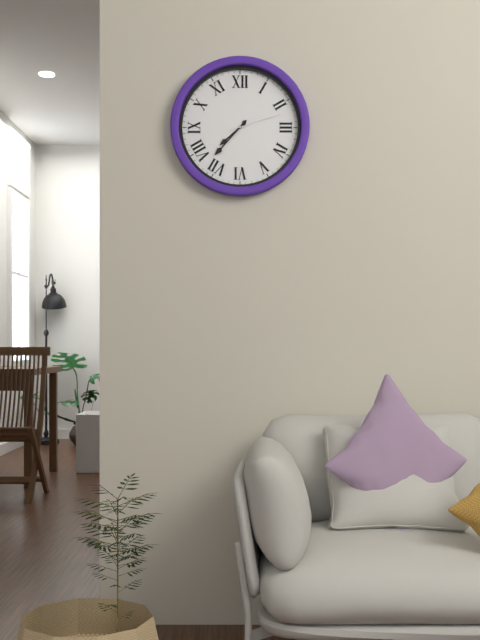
7:37:12
